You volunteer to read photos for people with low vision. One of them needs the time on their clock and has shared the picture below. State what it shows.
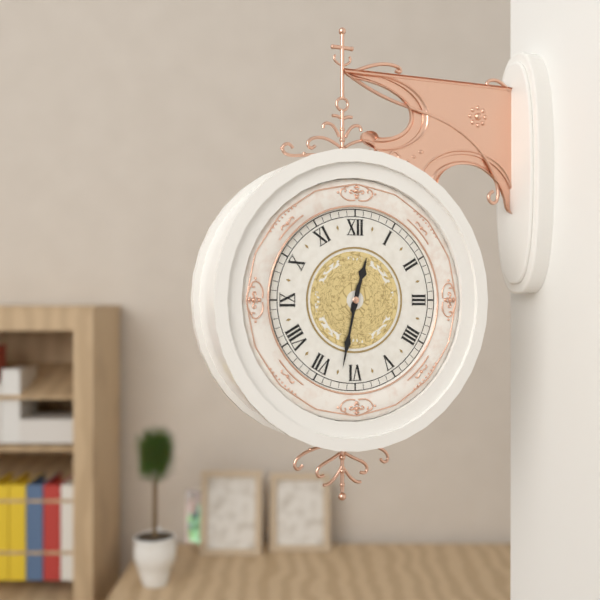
12:32
